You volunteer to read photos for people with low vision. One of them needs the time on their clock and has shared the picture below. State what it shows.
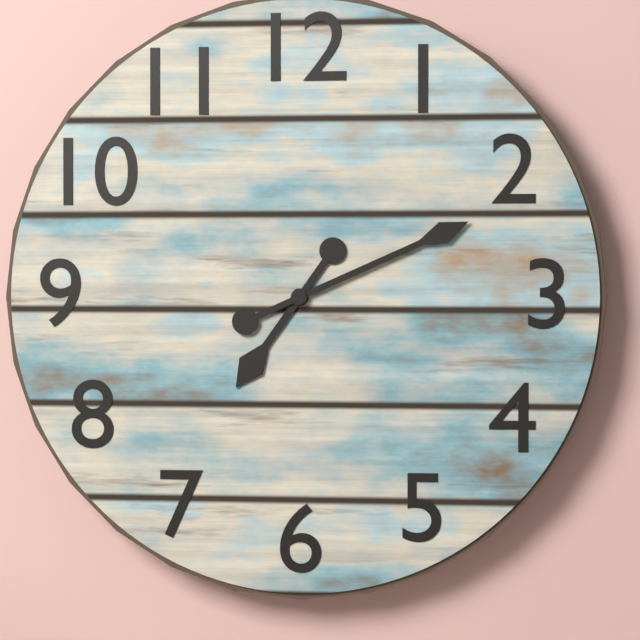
7:11
